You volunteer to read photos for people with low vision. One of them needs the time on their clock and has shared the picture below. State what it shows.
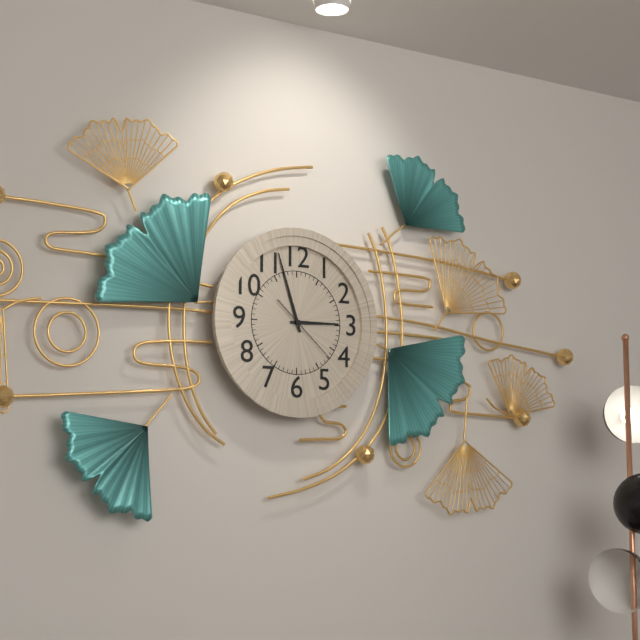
2:57:22
